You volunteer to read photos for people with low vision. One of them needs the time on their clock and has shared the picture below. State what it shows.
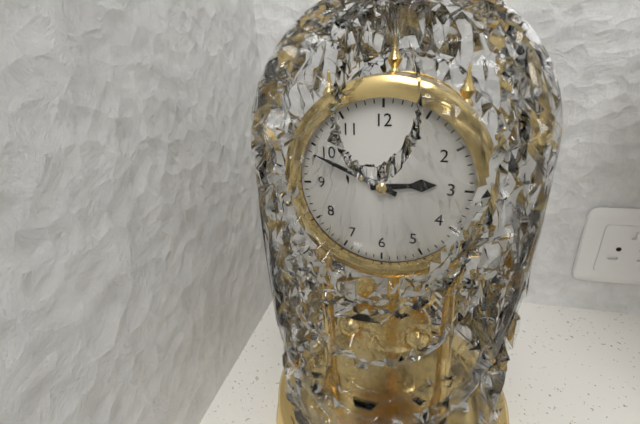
2:49
